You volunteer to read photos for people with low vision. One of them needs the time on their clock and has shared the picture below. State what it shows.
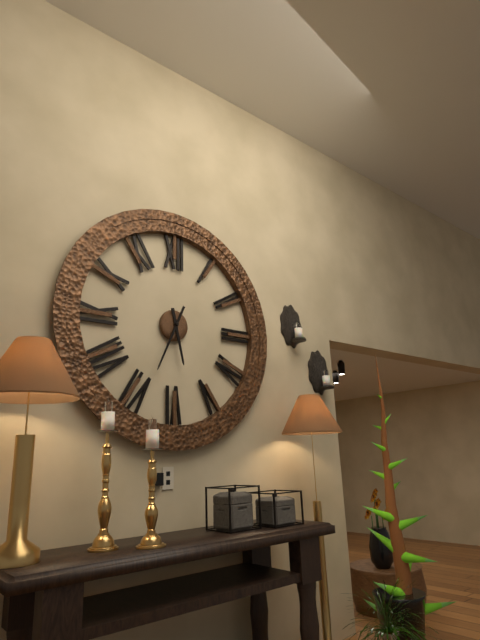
5:34
